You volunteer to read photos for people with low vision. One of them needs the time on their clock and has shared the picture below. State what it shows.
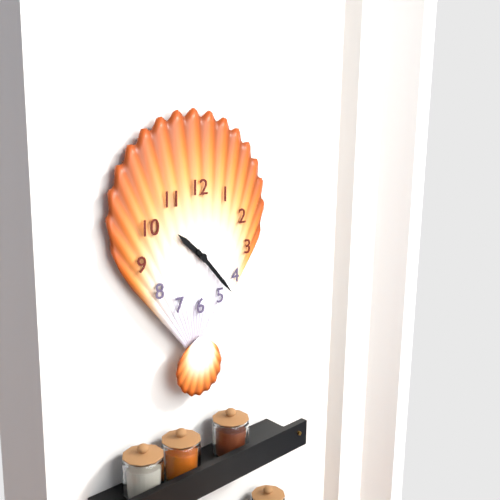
10:23
